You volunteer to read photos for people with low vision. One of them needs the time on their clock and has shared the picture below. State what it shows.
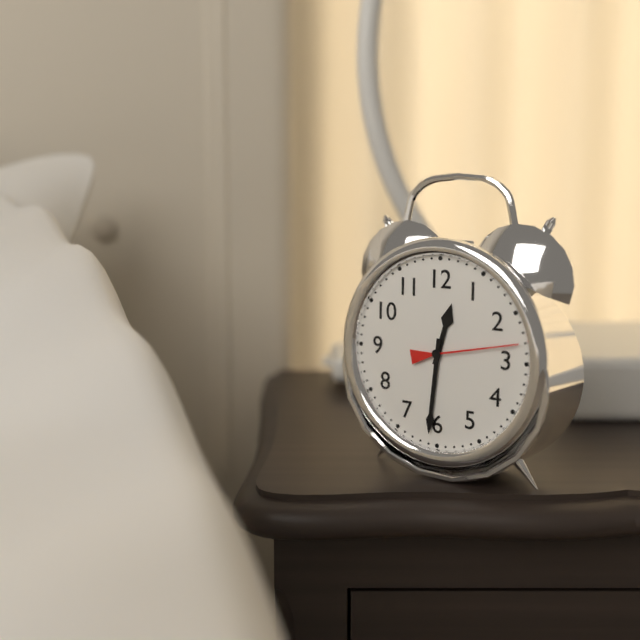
12:31:13
